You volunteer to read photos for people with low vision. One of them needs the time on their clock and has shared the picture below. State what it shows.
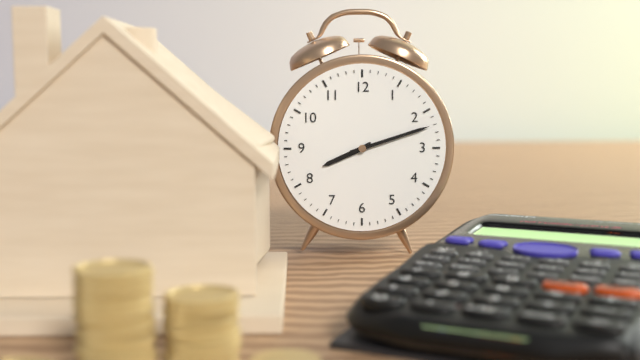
8:12
